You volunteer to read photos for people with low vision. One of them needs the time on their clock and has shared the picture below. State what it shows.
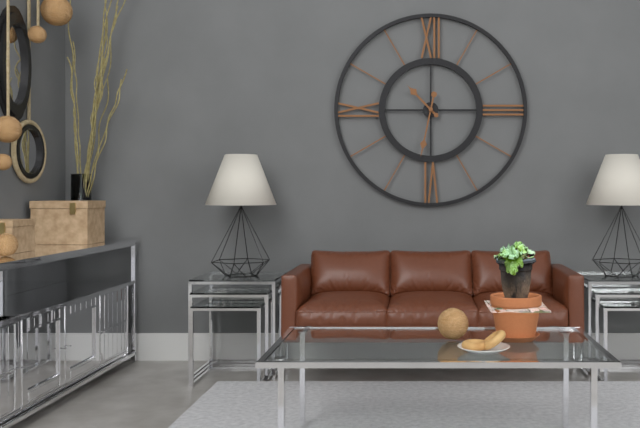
10:32
